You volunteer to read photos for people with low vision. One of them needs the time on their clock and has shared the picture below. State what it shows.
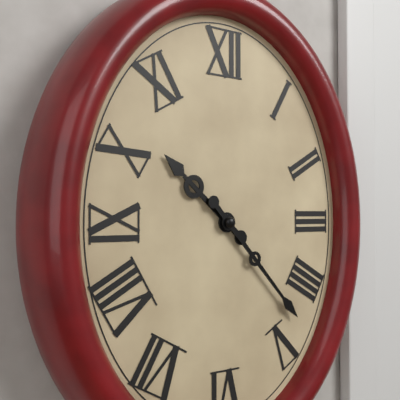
10:23
